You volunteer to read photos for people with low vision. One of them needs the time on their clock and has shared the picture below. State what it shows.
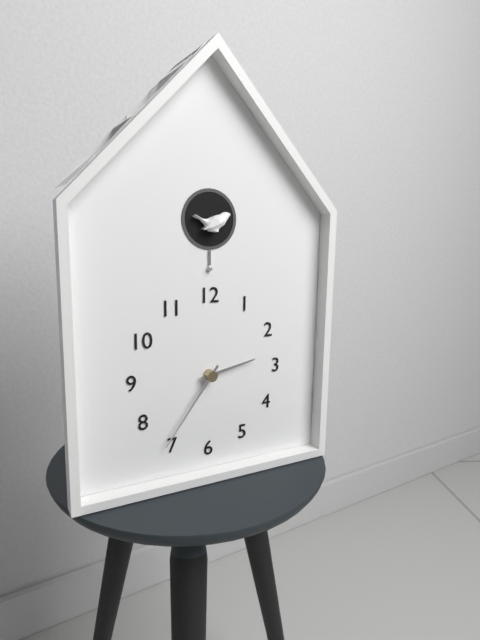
2:36
